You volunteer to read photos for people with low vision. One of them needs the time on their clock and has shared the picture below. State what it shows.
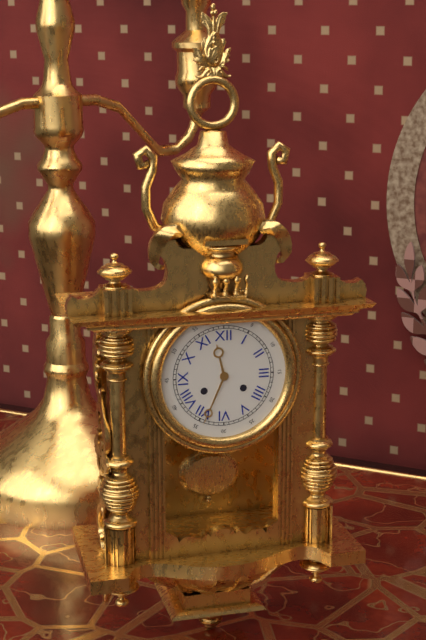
11:34
